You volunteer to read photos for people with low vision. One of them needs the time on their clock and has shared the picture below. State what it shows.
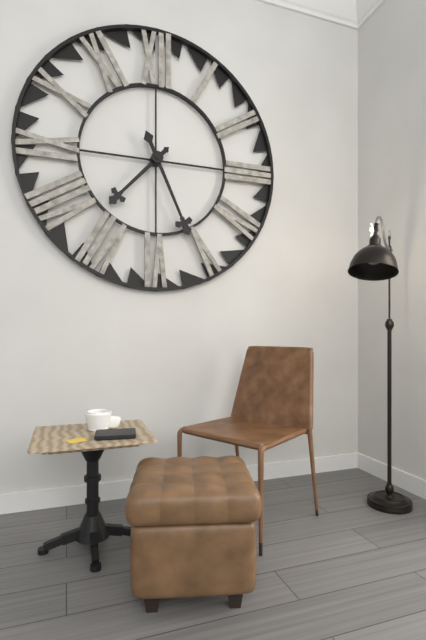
7:26
